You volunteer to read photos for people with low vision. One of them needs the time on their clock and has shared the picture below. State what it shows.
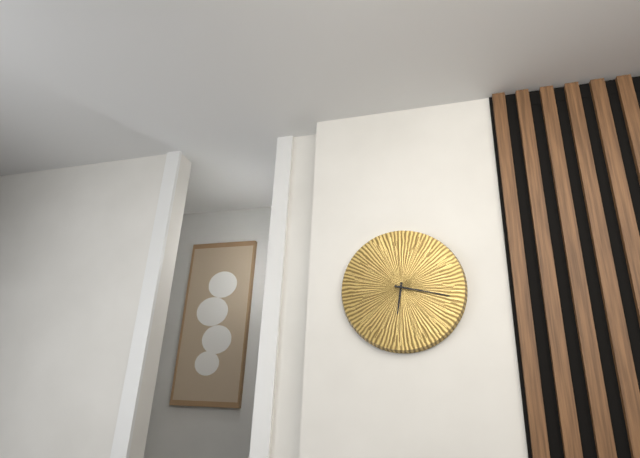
6:17
